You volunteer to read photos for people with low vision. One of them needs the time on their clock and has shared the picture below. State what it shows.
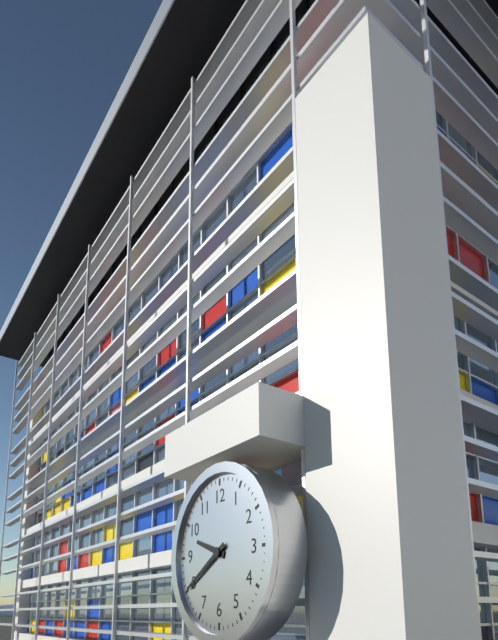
9:40
